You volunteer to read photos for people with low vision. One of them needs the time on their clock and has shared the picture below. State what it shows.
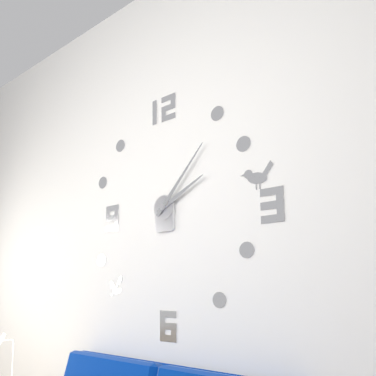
2:07
